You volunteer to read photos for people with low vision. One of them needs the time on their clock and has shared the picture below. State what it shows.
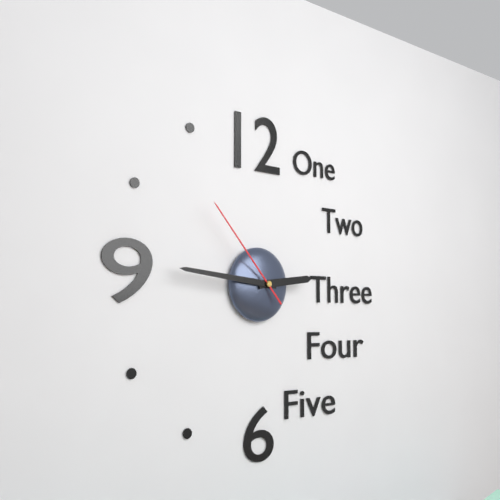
2:46:53
